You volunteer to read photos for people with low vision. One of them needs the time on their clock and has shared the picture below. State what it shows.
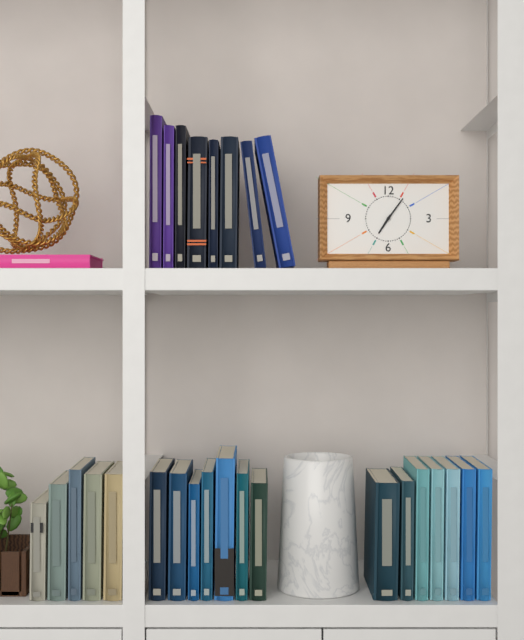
7:06
